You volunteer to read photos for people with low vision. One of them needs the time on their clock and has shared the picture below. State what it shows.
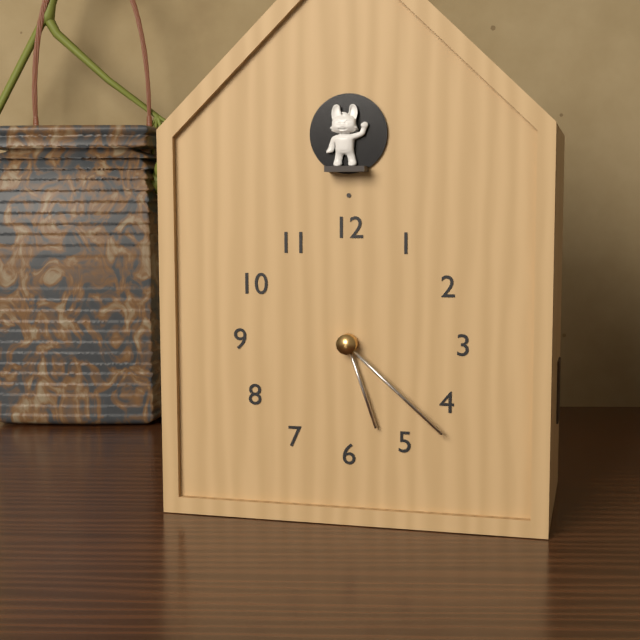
5:22
